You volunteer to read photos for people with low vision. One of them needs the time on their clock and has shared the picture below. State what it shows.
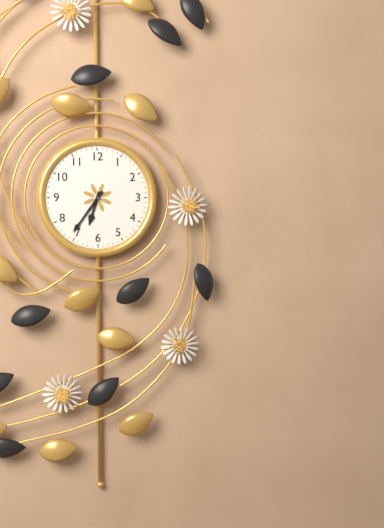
6:36
